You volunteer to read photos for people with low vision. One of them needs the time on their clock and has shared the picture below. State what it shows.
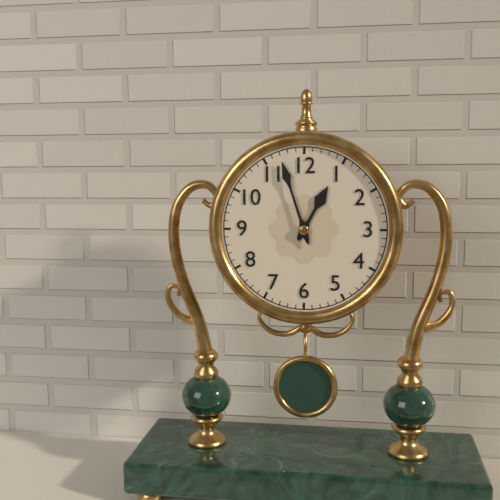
12:57
